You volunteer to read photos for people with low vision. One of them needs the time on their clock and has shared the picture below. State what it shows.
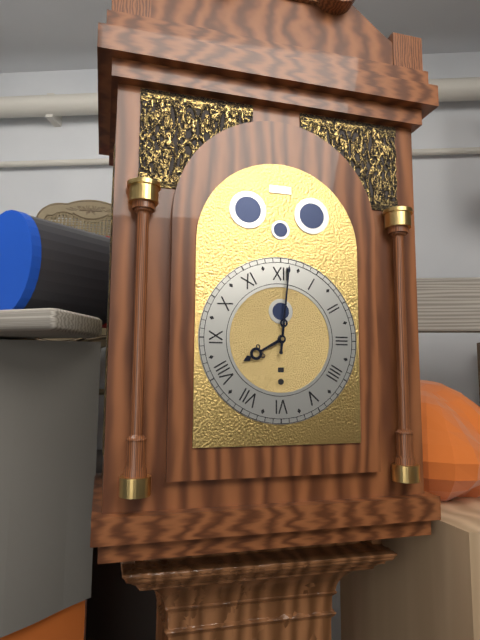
8:01
